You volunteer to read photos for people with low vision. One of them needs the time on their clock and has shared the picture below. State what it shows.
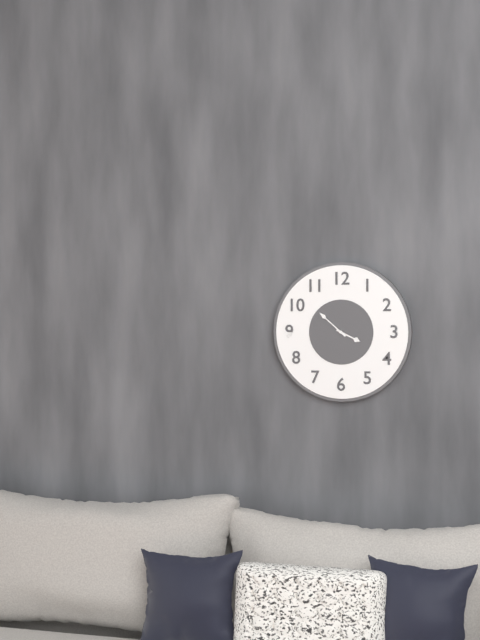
3:52
